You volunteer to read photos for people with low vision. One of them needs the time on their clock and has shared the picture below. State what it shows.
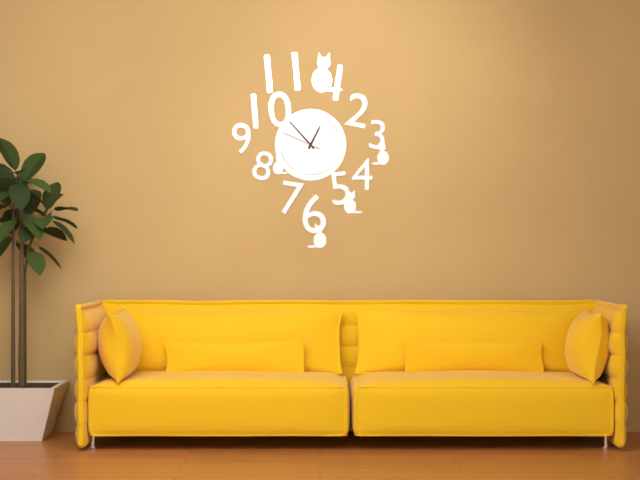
12:53
